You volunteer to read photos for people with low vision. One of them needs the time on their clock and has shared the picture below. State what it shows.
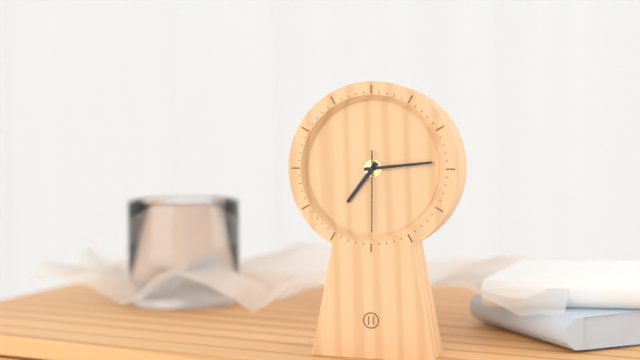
7:14:30
